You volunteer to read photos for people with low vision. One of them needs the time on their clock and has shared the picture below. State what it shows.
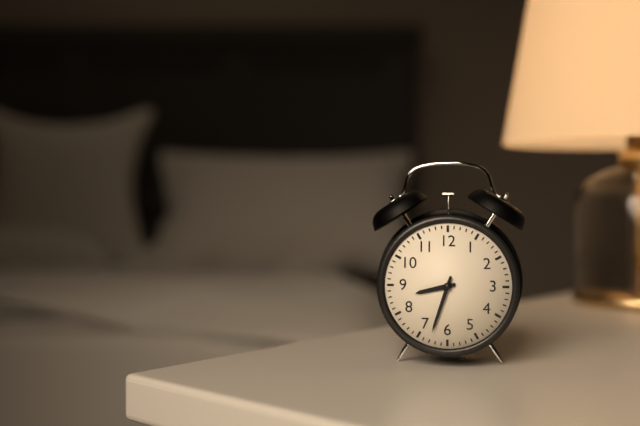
8:33
